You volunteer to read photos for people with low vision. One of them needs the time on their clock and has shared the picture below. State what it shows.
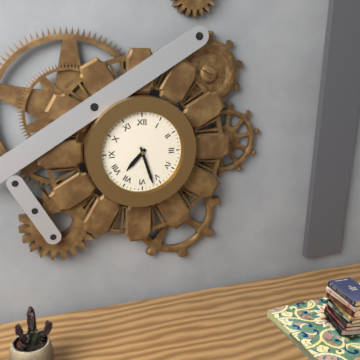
7:27
